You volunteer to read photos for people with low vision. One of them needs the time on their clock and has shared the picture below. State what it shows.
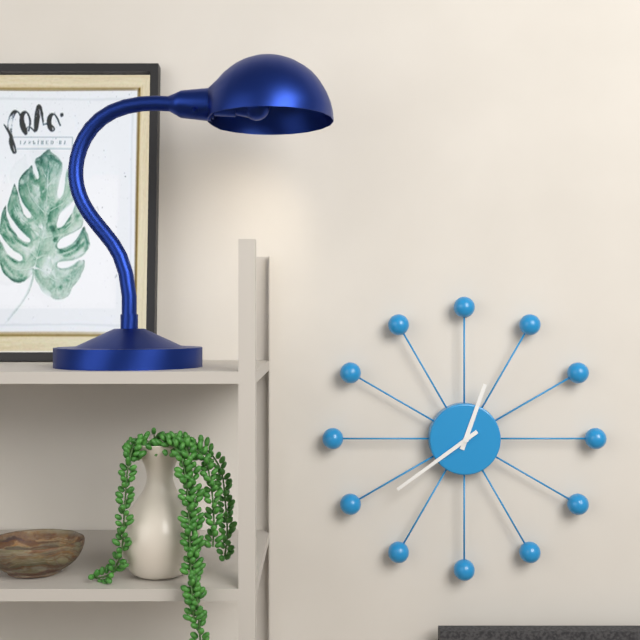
12:39
